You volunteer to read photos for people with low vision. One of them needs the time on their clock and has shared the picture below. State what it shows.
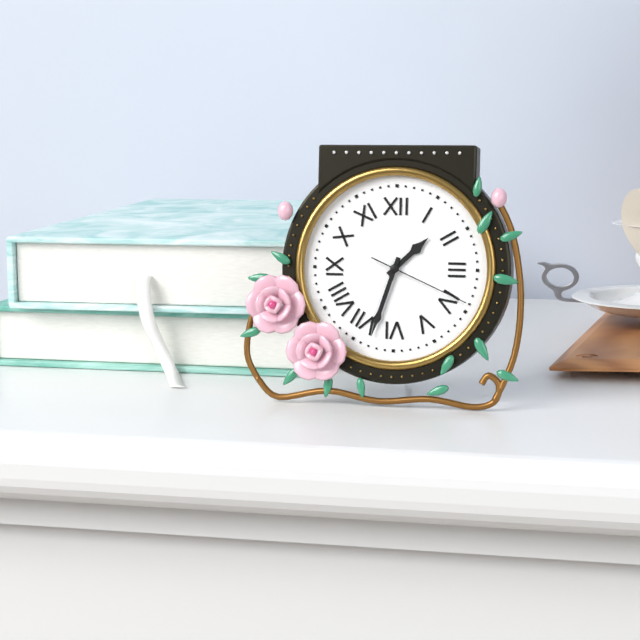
1:33:19
